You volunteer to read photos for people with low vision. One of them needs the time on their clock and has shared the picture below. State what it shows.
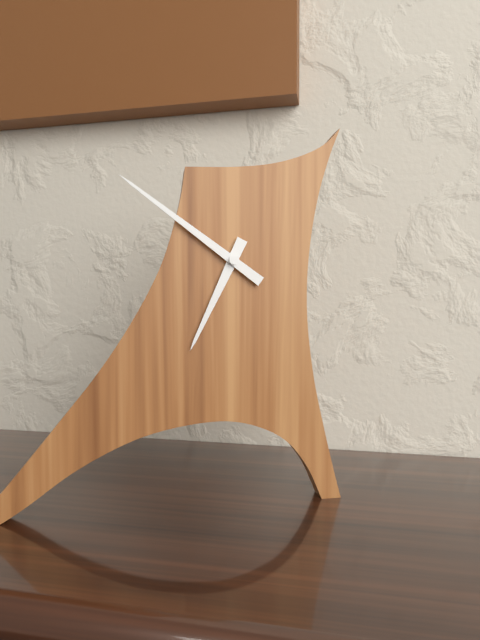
6:51
